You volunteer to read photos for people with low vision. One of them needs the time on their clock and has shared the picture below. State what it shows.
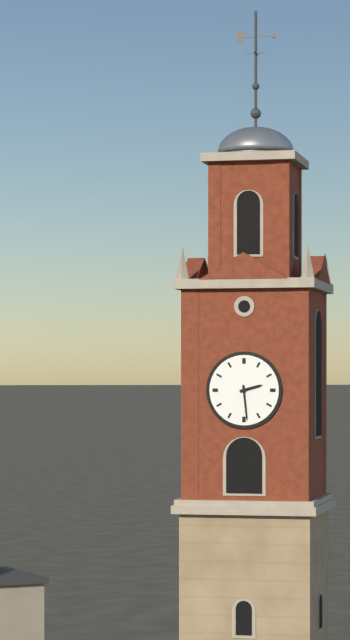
2:29
